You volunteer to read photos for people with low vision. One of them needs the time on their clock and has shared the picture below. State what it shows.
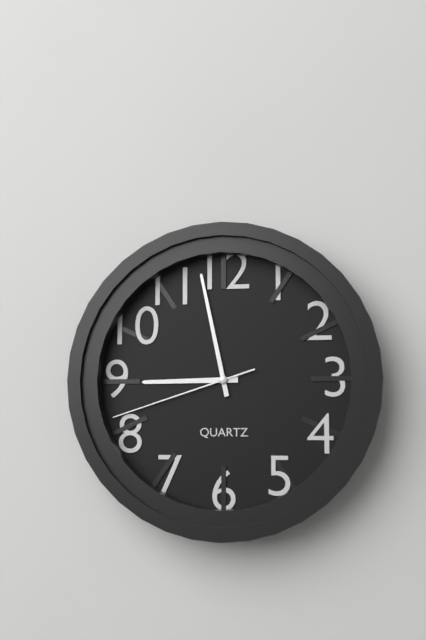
8:58:42
